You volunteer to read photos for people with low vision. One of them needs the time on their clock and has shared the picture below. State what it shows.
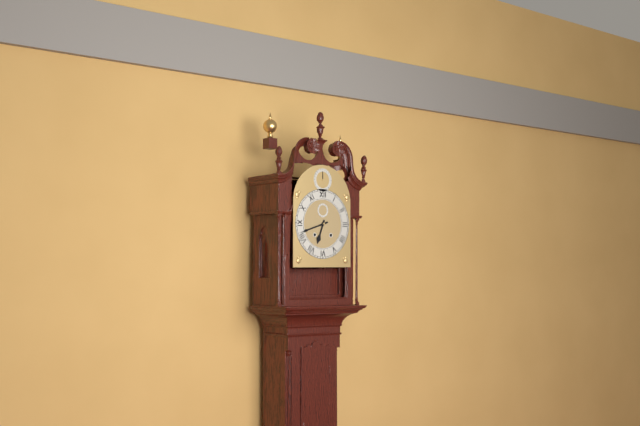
6:42
